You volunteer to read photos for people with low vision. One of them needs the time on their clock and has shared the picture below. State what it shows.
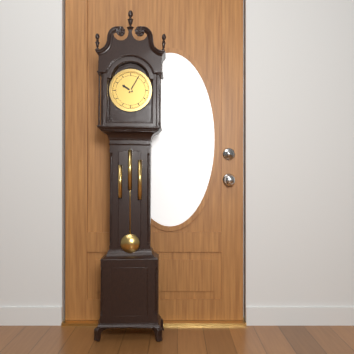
10:05
